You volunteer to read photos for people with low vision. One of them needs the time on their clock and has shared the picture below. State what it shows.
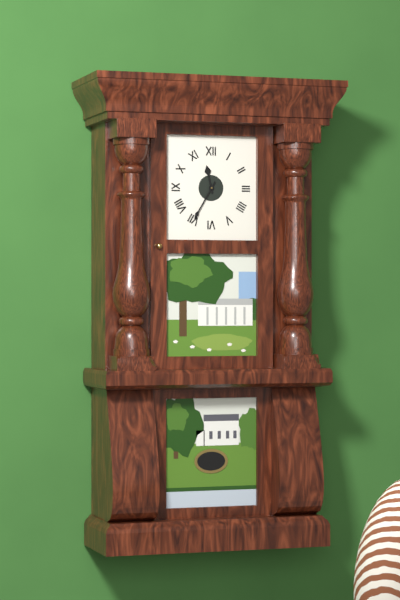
11:35
